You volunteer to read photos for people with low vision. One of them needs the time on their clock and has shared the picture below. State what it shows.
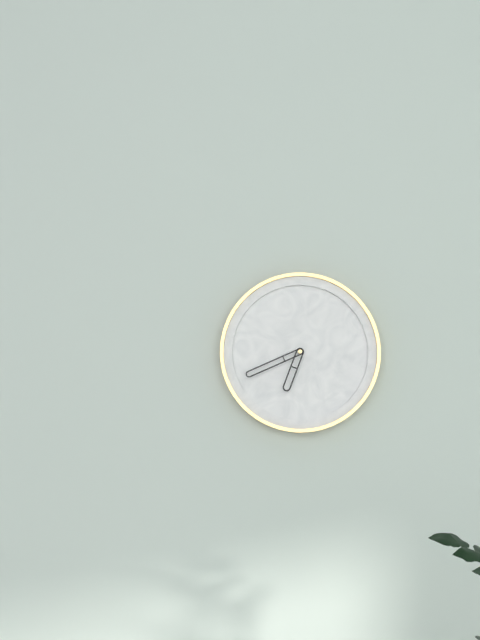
6:41
